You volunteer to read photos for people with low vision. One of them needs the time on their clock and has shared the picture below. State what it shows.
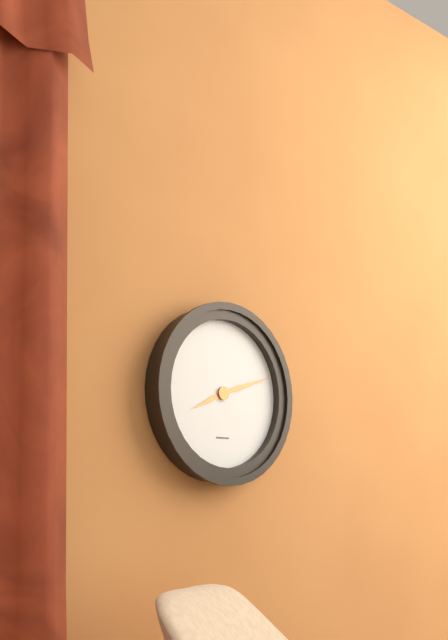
8:12
